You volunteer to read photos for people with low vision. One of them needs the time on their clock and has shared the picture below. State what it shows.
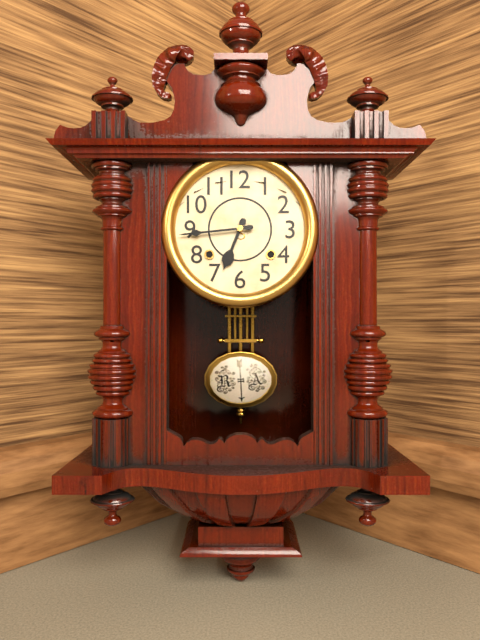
6:44
